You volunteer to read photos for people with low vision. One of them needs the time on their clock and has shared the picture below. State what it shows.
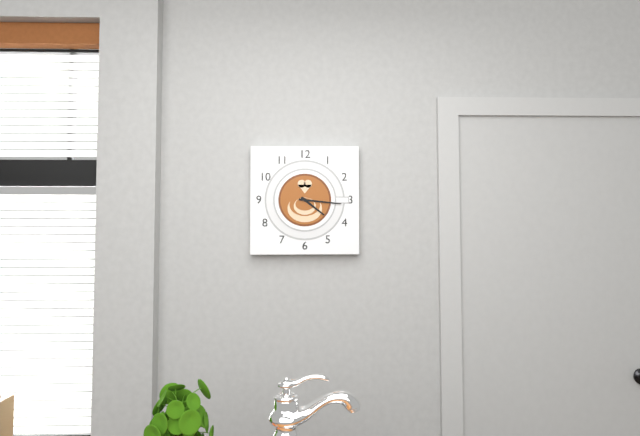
4:16
